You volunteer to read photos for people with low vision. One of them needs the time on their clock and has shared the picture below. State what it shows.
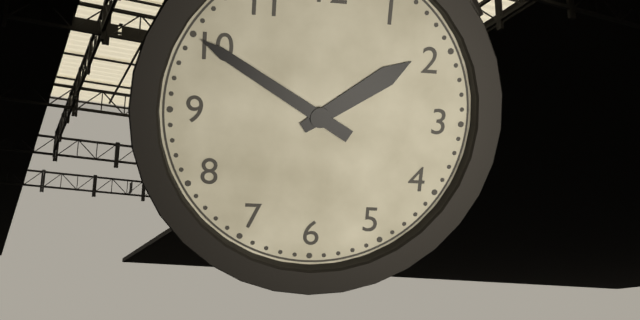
1:50
